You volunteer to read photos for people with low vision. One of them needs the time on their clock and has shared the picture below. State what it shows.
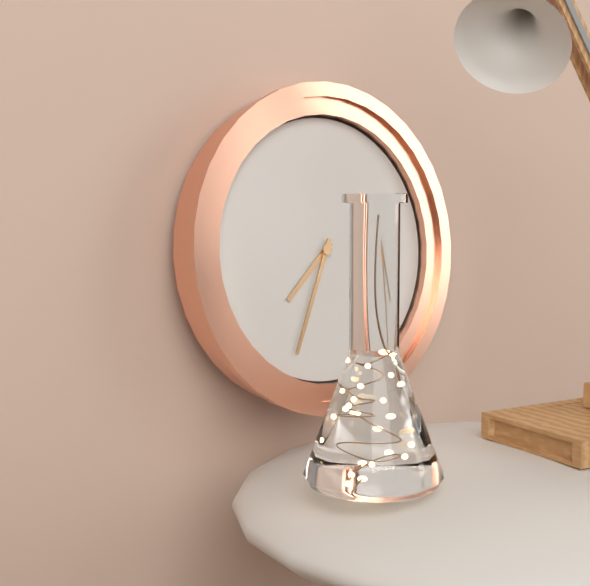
7:34
